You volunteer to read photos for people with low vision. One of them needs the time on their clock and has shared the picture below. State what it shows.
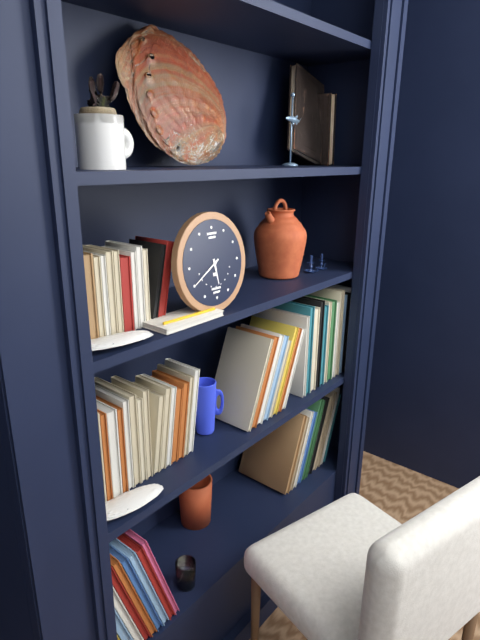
5:40
